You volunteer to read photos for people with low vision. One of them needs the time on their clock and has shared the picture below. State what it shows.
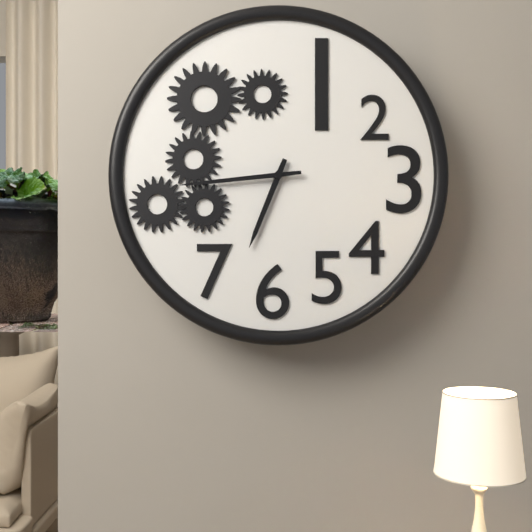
6:44
